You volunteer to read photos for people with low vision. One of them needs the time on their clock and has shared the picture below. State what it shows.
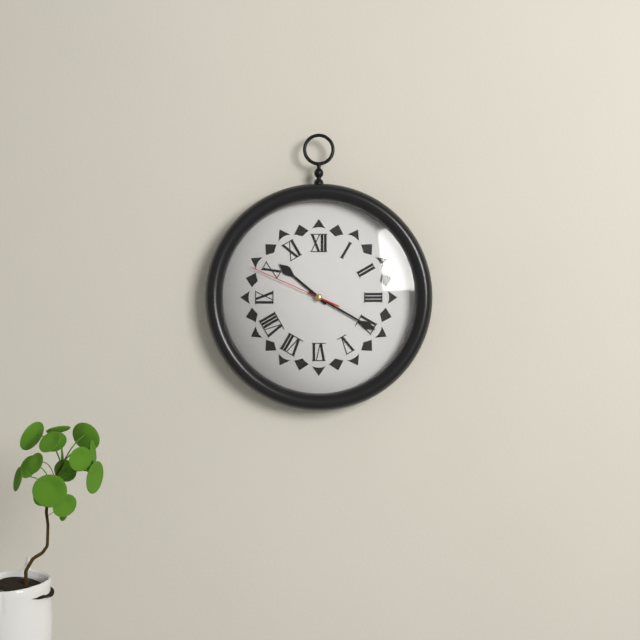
10:20:49
